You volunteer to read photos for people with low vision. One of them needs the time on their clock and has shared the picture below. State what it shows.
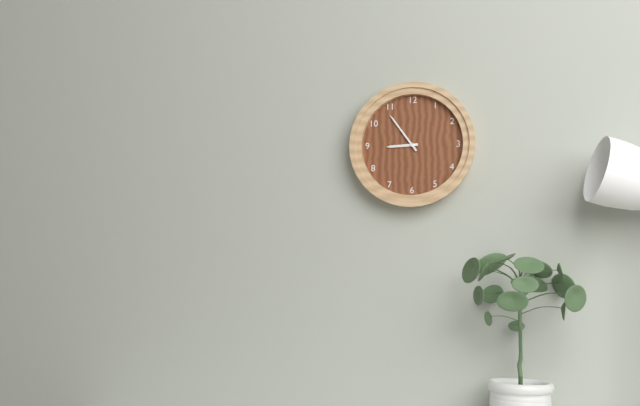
8:54
